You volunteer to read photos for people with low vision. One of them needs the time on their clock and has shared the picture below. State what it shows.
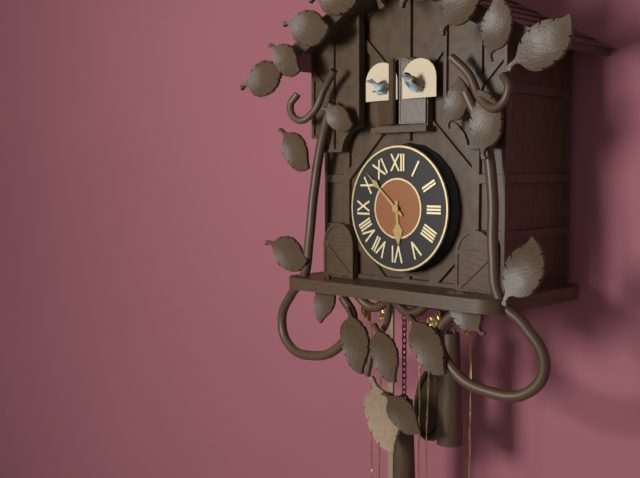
5:52
